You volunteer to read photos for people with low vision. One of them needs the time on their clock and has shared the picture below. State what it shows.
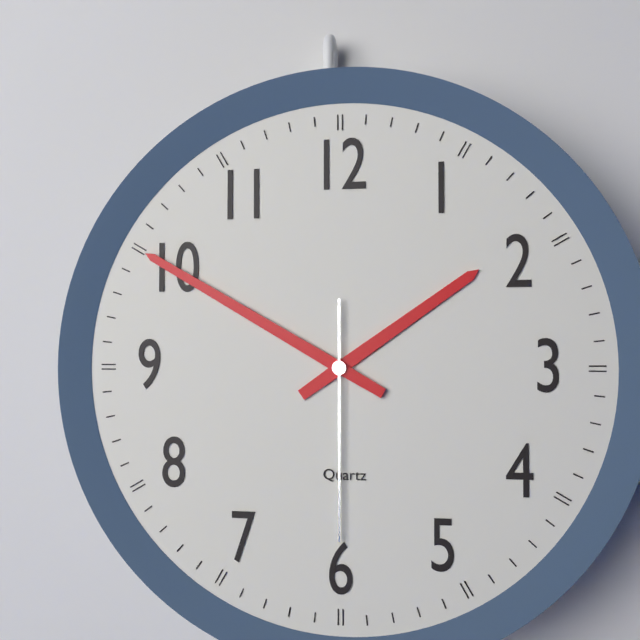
1:50:30
